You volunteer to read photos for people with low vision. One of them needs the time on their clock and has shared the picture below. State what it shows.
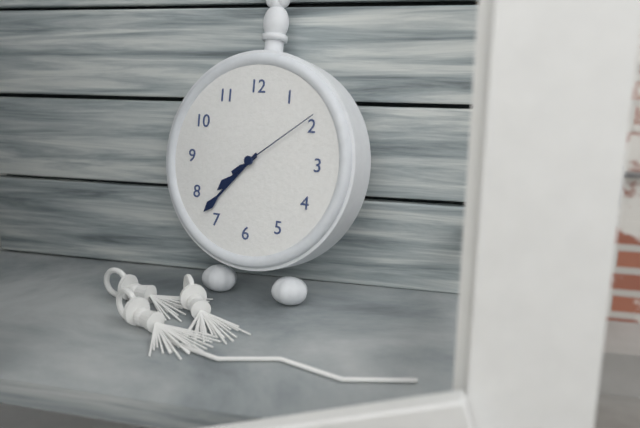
7:37:09
